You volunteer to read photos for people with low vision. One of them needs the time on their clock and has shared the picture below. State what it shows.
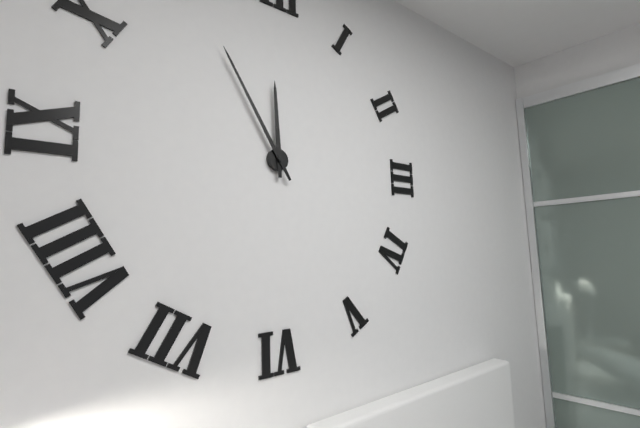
11:55
